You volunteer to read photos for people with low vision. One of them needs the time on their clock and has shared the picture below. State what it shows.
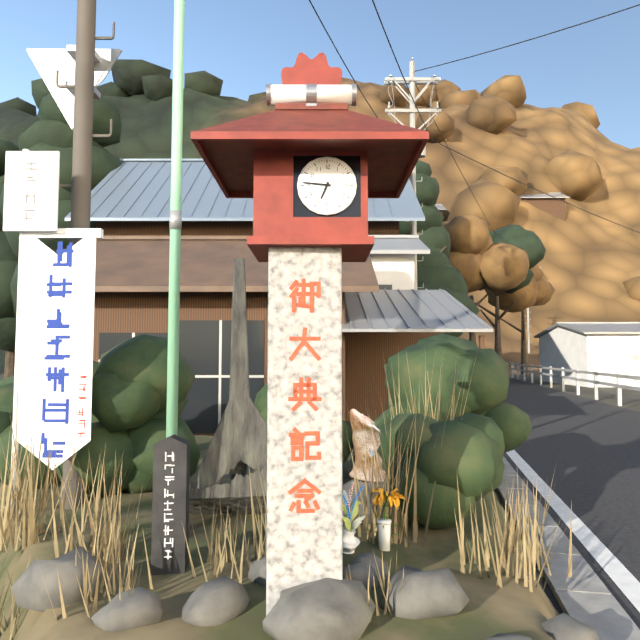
6:46
